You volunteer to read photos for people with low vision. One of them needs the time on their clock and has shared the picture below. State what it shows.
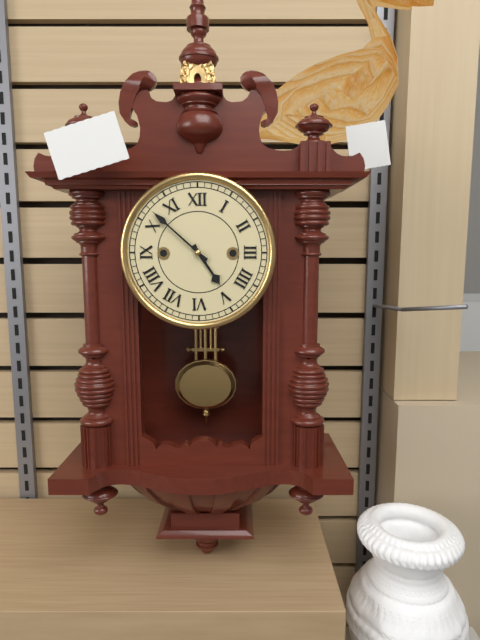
4:52
